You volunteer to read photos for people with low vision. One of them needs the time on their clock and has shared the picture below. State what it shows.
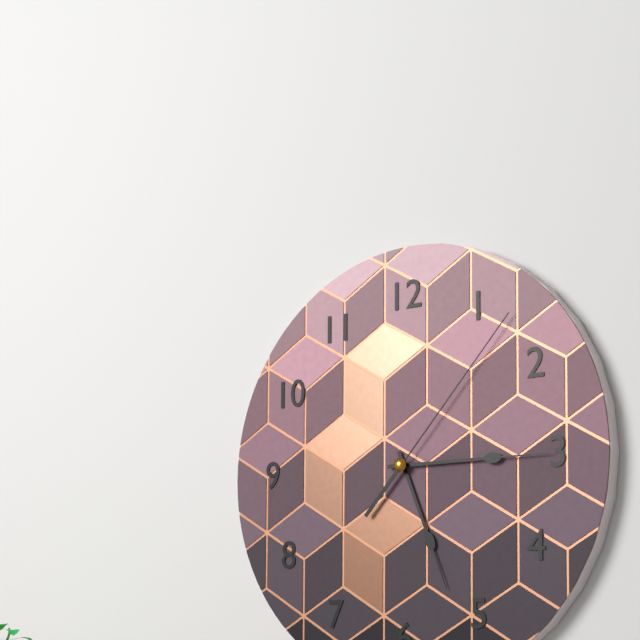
5:15:07
